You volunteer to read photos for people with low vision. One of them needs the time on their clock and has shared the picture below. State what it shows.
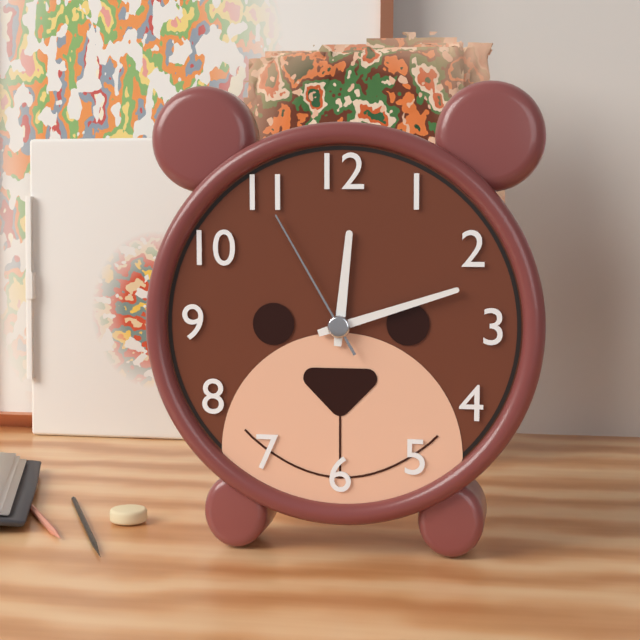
12:12:55
